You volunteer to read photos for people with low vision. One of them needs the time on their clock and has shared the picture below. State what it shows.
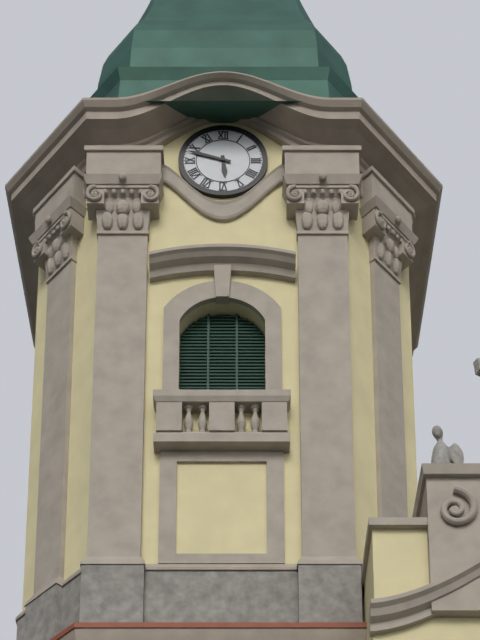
5:48
